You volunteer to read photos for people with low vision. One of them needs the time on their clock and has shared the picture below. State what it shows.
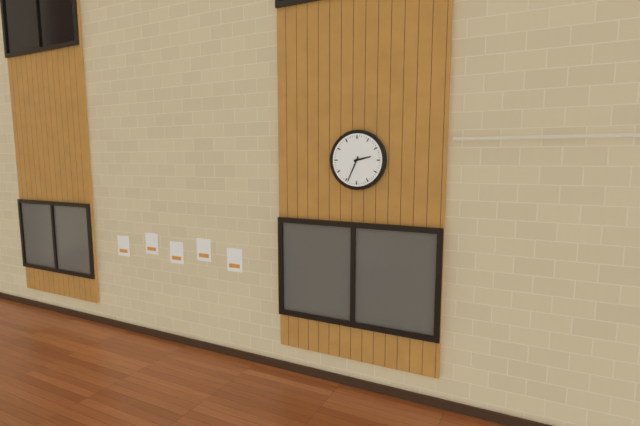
2:34
